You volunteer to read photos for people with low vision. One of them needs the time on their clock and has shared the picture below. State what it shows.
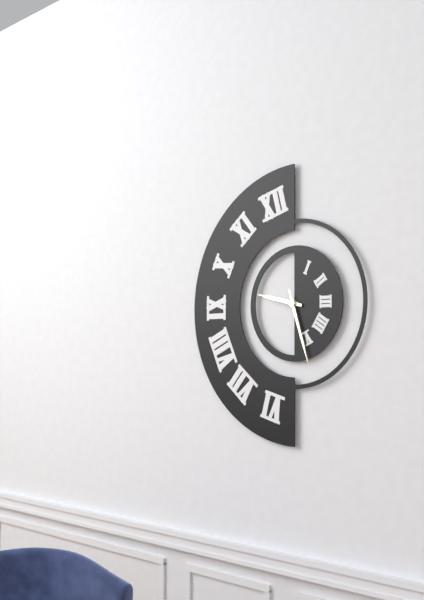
9:27
